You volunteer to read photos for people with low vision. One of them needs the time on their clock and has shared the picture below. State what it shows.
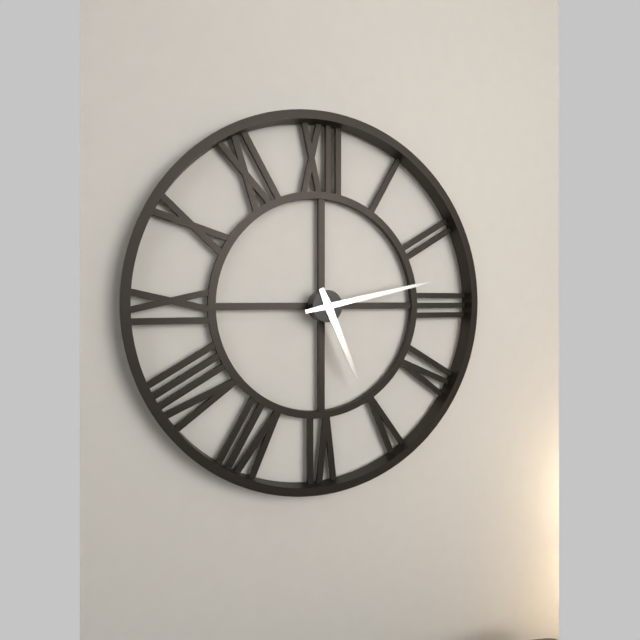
5:13
